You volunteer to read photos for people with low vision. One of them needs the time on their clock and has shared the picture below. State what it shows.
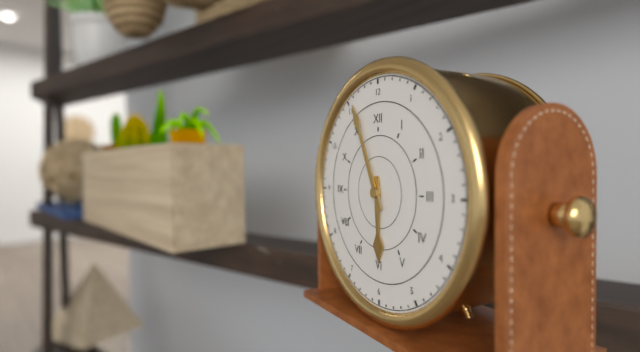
5:56
